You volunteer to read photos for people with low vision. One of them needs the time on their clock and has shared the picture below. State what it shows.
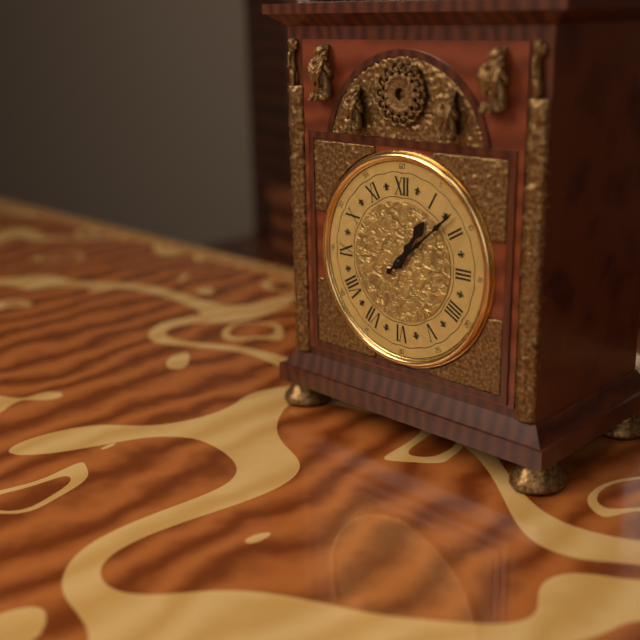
1:08
